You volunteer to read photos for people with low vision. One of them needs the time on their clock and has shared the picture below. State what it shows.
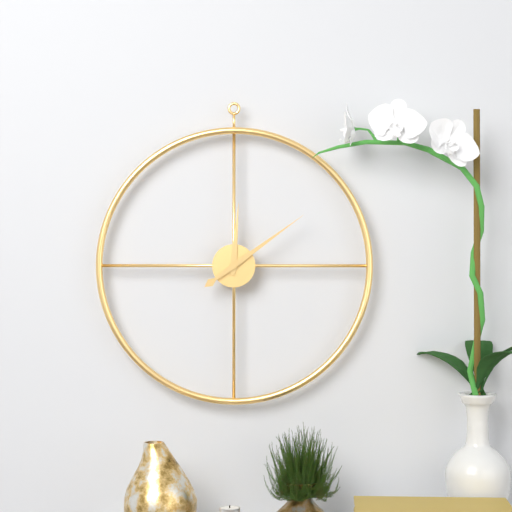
12:09
